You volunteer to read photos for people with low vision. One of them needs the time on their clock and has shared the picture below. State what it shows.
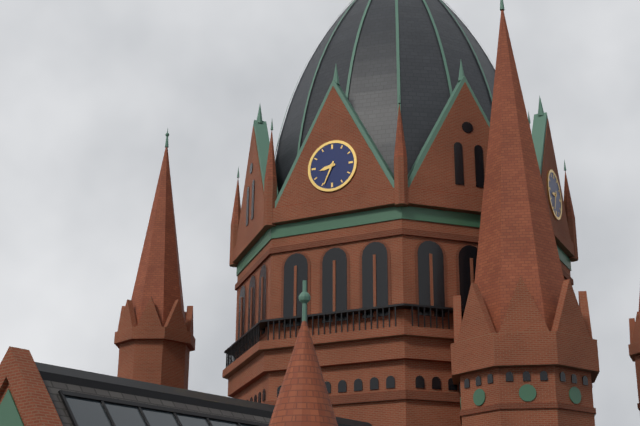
8:34
